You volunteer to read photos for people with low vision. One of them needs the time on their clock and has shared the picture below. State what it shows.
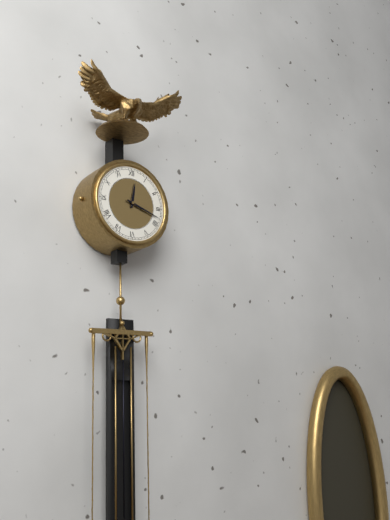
12:18
